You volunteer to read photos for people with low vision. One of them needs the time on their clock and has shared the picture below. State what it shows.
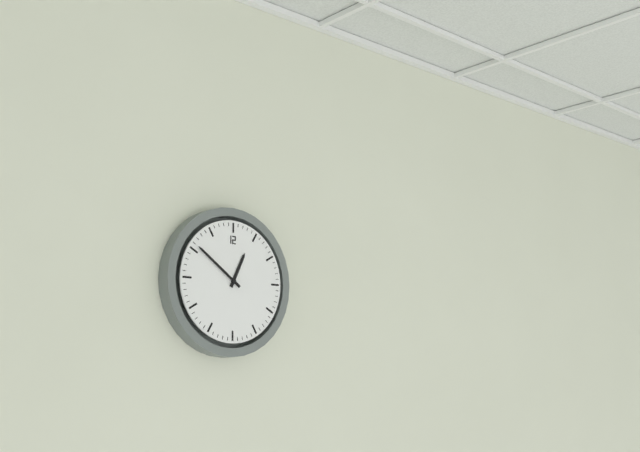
12:51
